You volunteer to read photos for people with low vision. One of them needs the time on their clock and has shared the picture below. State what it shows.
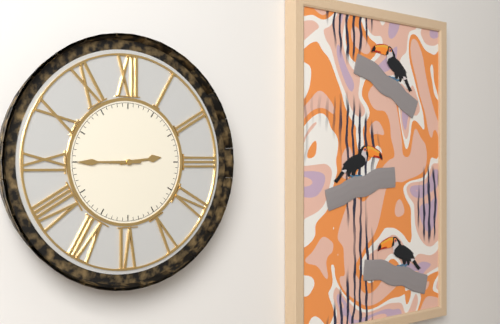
2:45
